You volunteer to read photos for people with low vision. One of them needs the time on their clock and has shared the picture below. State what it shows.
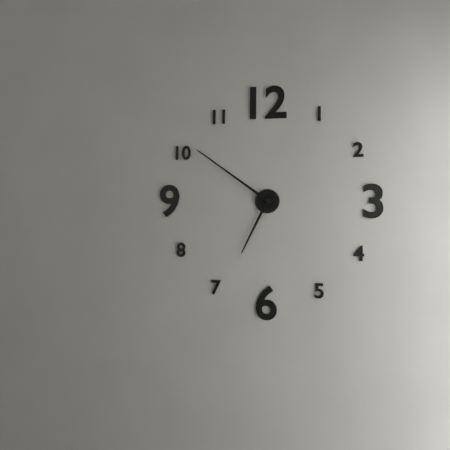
6:51
